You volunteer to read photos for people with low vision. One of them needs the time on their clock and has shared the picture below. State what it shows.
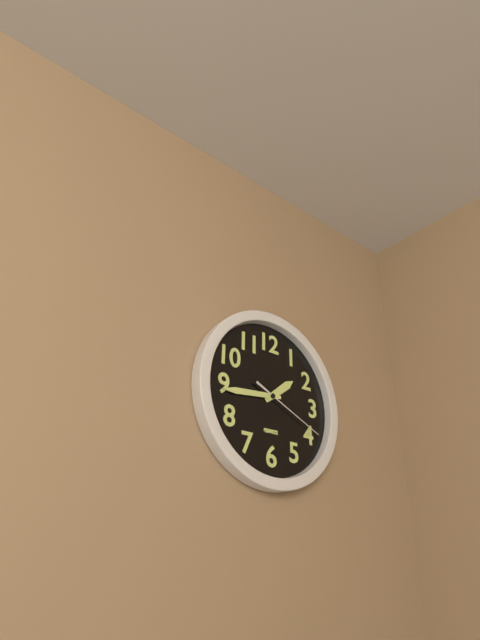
1:44:19
